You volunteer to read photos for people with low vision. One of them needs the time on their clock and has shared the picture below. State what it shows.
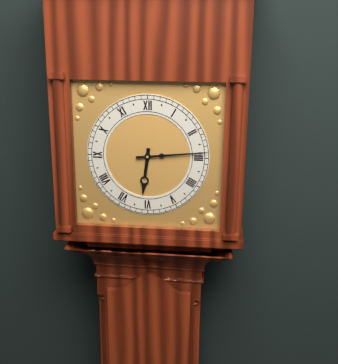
6:14
